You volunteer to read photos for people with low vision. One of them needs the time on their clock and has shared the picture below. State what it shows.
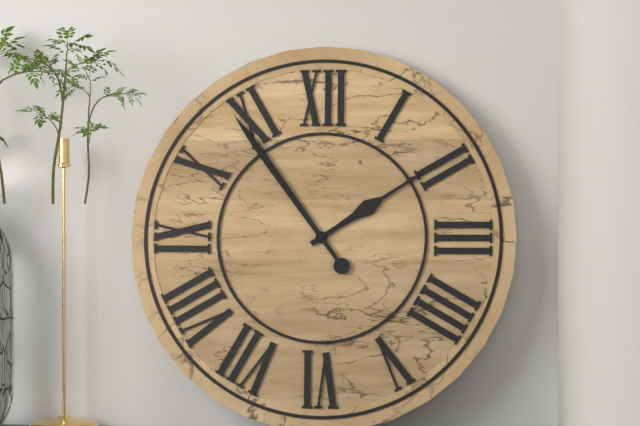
1:54
